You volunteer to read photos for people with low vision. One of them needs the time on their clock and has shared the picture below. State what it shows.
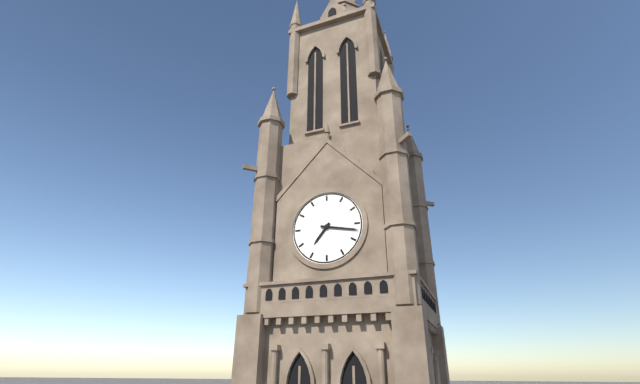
7:17
